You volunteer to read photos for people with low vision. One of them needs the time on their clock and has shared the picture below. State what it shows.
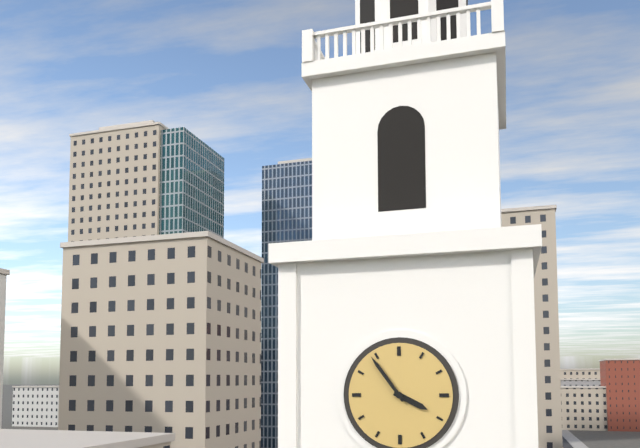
3:54
